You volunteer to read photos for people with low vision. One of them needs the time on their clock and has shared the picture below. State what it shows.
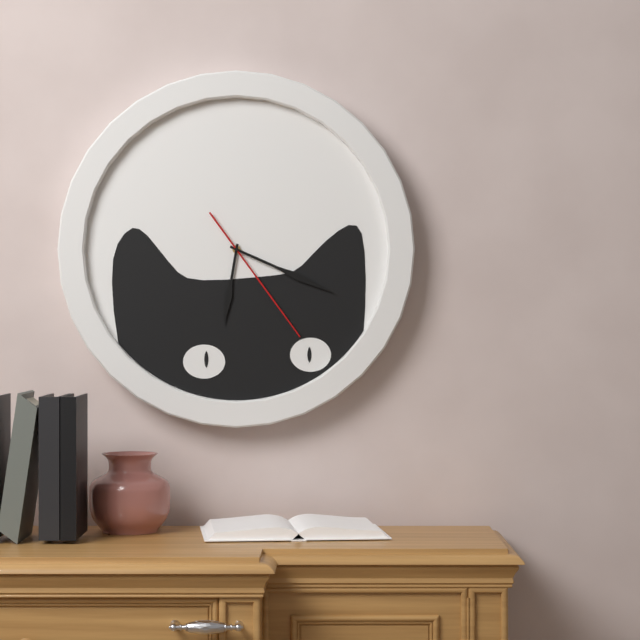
6:19:24
